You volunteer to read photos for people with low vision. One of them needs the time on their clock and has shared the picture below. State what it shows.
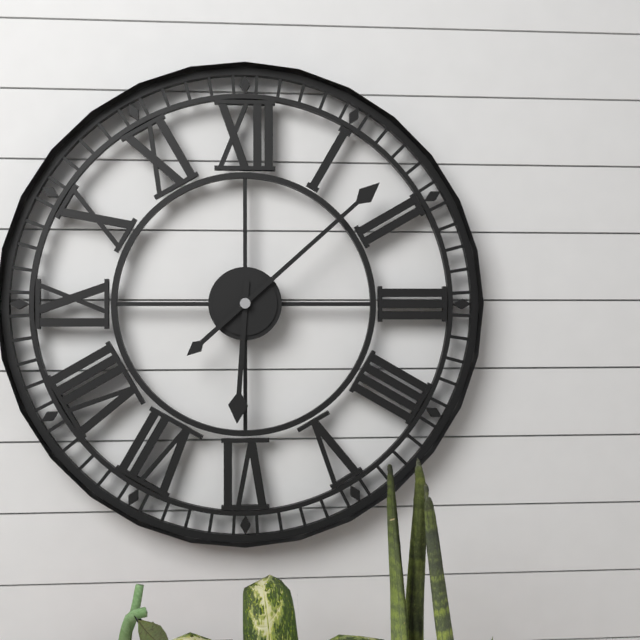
6:08
